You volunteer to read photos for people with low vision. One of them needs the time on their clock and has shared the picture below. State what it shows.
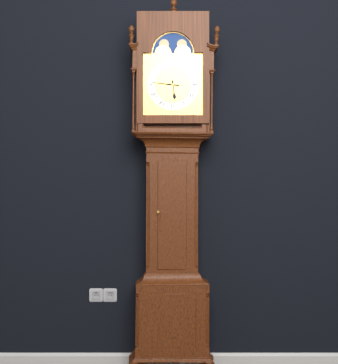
5:46
